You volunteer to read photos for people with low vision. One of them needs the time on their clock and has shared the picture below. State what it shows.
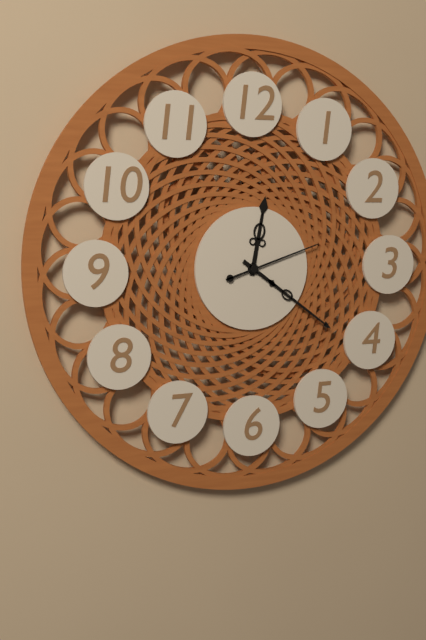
12:21:12
